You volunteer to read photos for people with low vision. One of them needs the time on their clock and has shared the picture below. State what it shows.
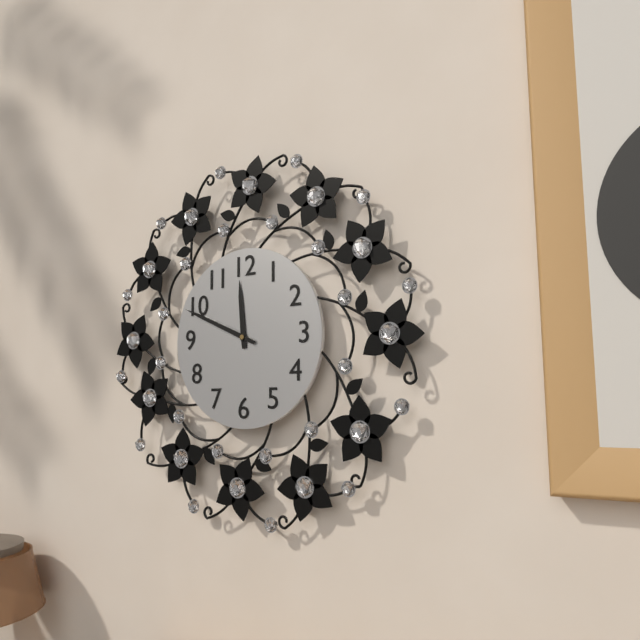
11:49
